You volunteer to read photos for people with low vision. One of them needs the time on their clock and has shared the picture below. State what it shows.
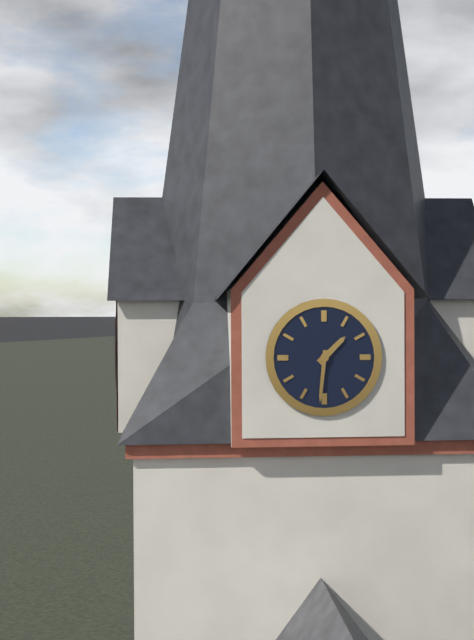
1:31
